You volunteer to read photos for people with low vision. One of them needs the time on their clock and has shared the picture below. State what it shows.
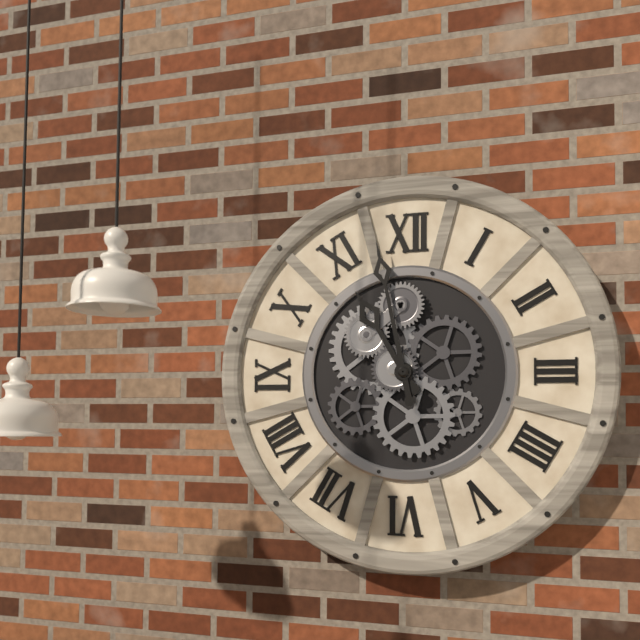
10:58
